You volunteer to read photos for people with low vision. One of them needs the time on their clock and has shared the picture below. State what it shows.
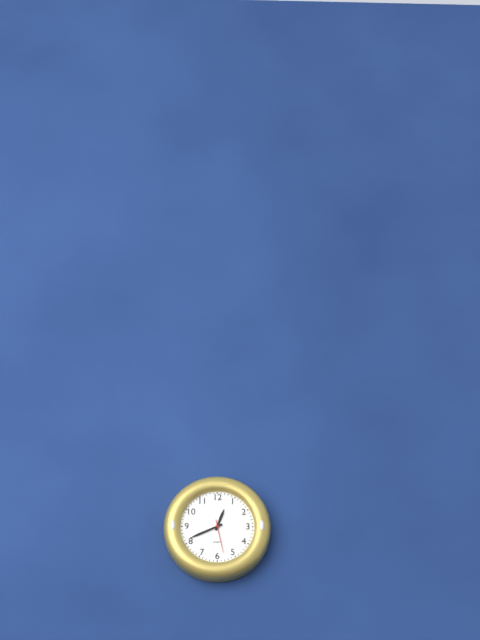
12:41
